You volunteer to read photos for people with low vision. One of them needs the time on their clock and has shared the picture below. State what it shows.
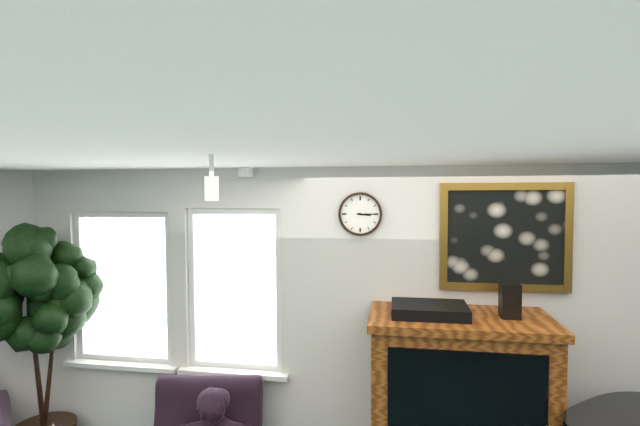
3:15
